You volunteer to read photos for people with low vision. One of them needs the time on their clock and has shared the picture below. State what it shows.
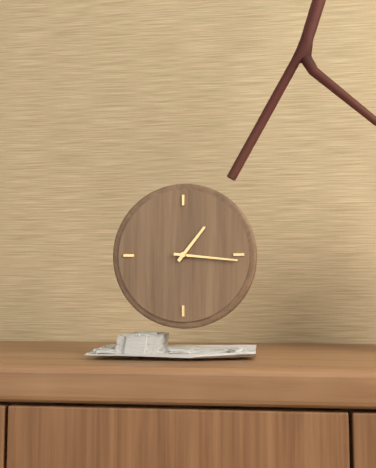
1:16
